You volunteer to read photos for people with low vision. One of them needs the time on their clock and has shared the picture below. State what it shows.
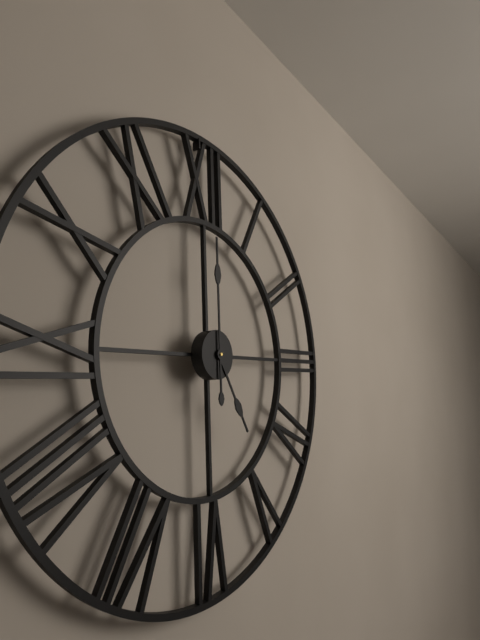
5:00
